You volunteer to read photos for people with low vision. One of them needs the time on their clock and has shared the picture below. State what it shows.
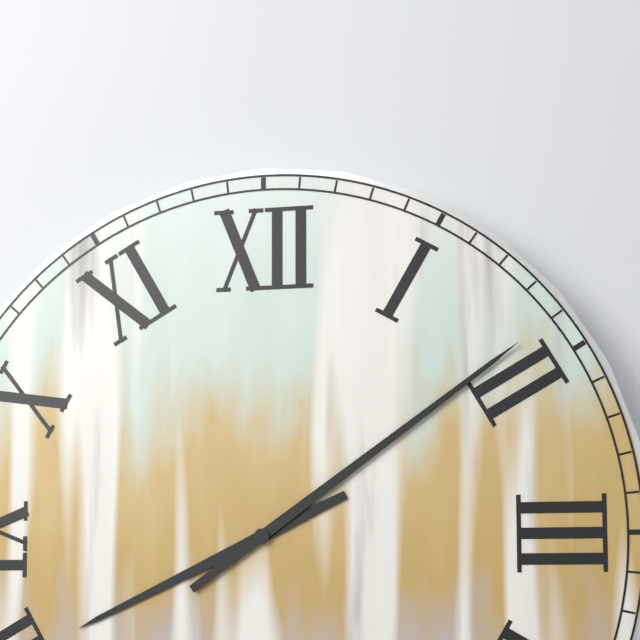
8:09
